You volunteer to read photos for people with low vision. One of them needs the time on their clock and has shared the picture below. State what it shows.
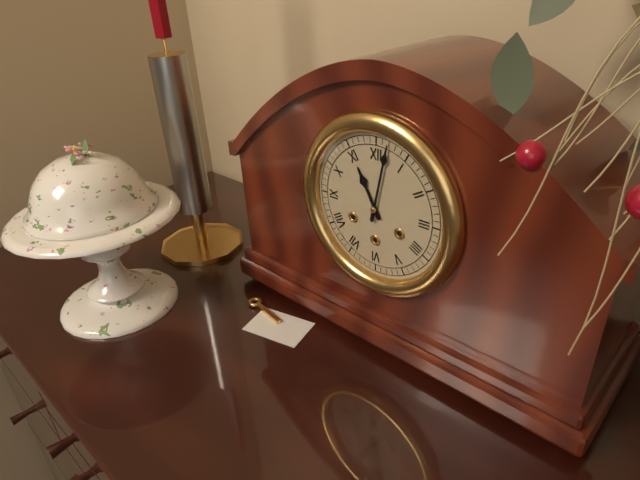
11:02
